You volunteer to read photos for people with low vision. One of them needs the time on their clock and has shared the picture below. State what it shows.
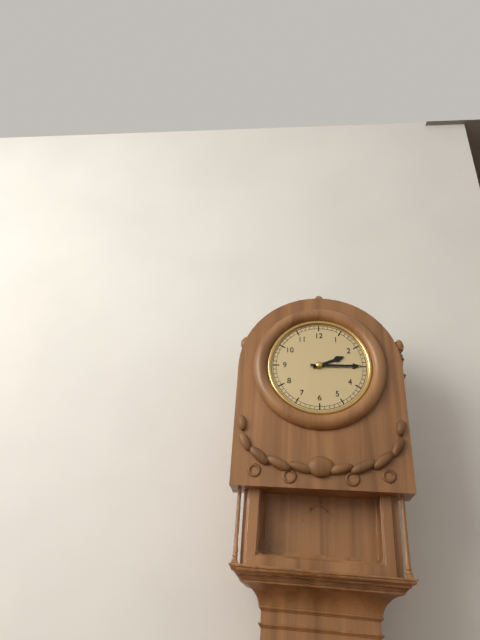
2:15
